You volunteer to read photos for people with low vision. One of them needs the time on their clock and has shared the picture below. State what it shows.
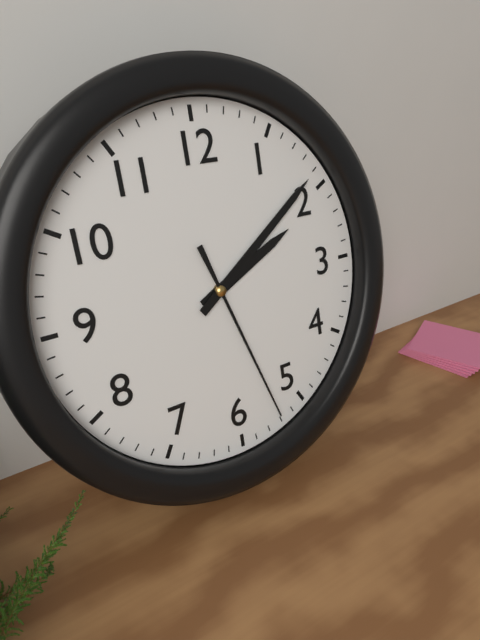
2:09:27
